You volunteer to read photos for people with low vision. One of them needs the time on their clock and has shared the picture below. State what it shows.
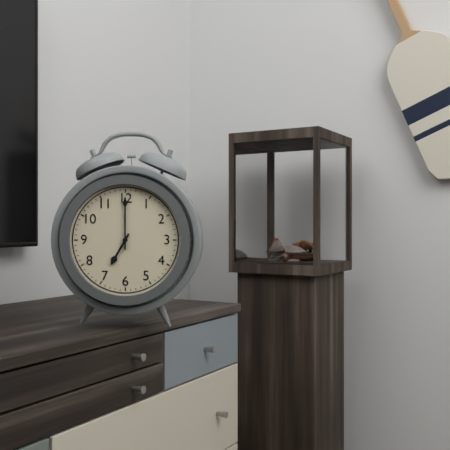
7:00
